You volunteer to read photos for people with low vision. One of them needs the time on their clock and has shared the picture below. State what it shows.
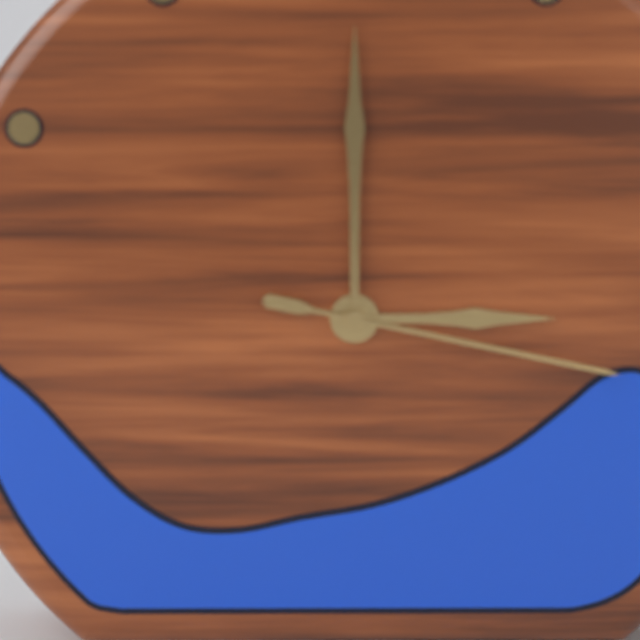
3:00:17
